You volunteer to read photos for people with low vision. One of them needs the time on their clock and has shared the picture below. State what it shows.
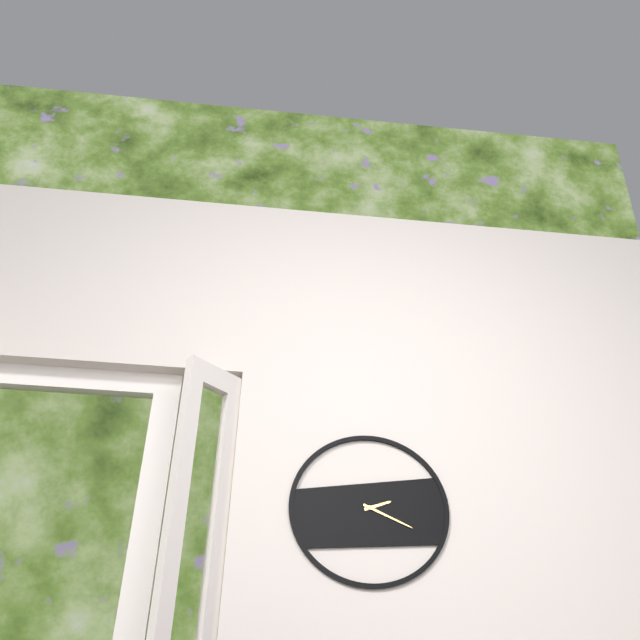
2:19
